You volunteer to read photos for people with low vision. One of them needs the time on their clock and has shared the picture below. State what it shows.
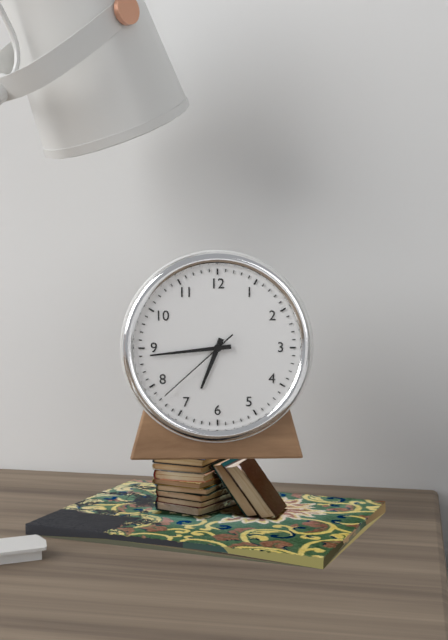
6:44:38
